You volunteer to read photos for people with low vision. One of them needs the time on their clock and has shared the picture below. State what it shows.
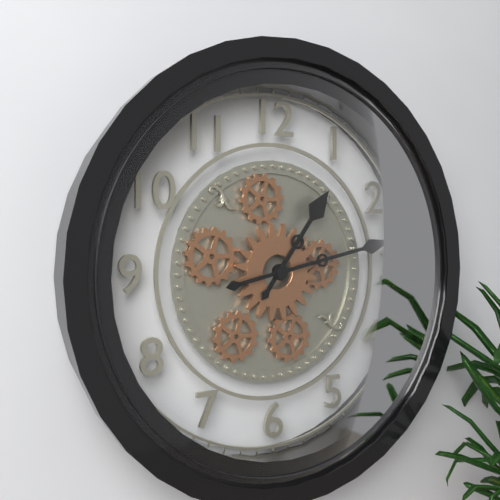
1:13
